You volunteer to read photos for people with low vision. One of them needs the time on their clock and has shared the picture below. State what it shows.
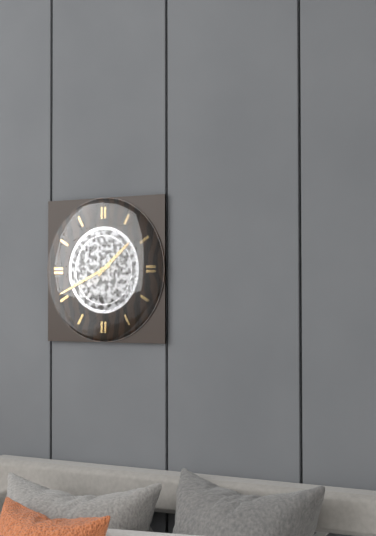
1:41
